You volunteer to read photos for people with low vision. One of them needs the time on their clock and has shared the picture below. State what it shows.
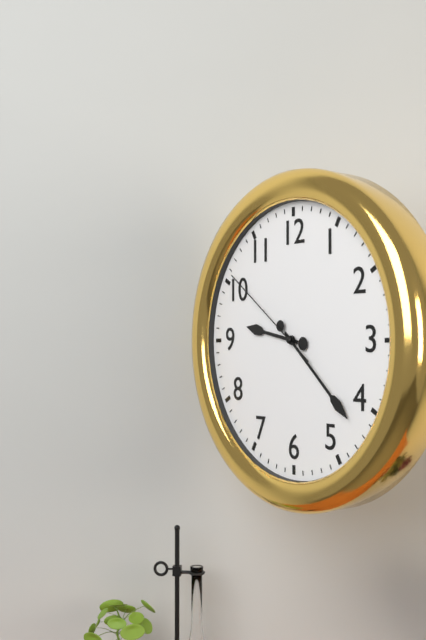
9:22:51
